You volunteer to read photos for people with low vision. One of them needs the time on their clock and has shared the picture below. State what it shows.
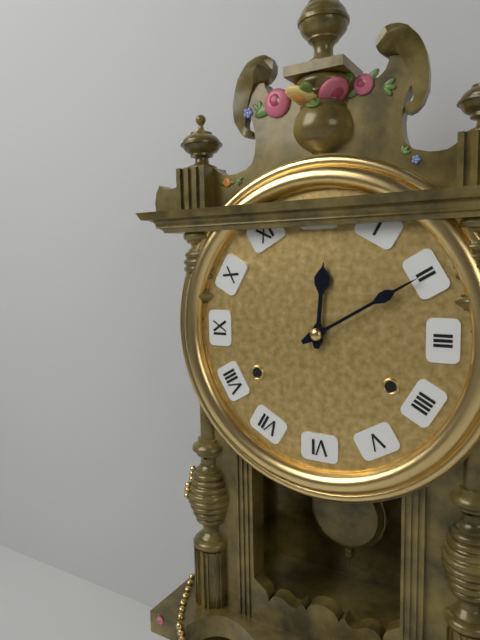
12:10
